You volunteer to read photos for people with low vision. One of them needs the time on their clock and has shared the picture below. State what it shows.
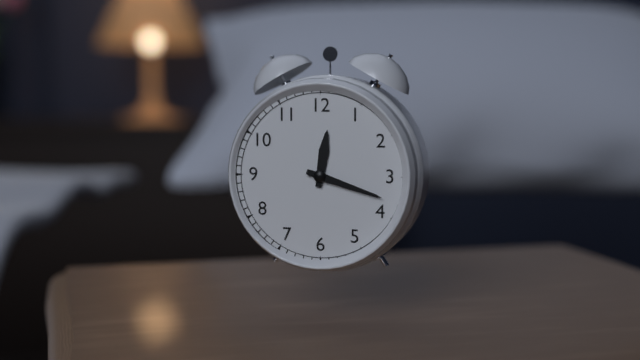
12:18
